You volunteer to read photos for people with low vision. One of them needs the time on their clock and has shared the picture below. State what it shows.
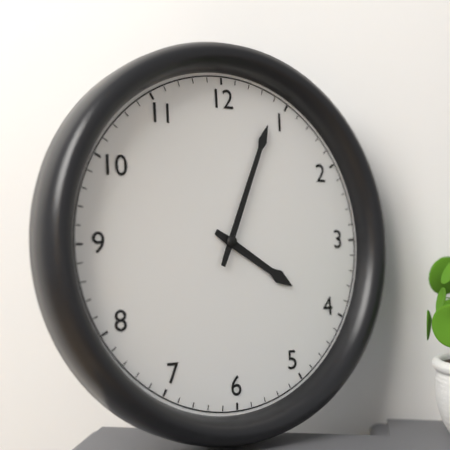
4:04
